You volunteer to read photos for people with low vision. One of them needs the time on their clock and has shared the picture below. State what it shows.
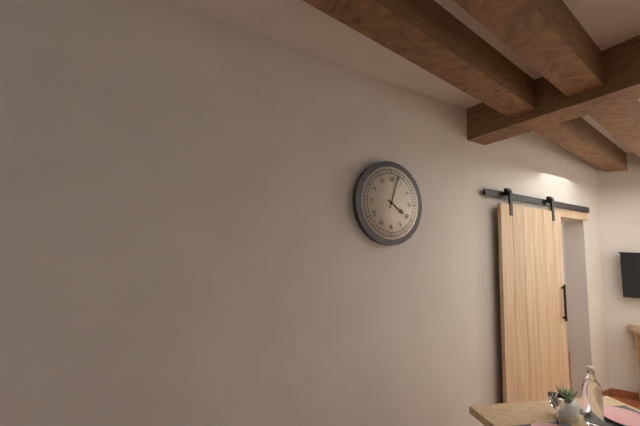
4:03
